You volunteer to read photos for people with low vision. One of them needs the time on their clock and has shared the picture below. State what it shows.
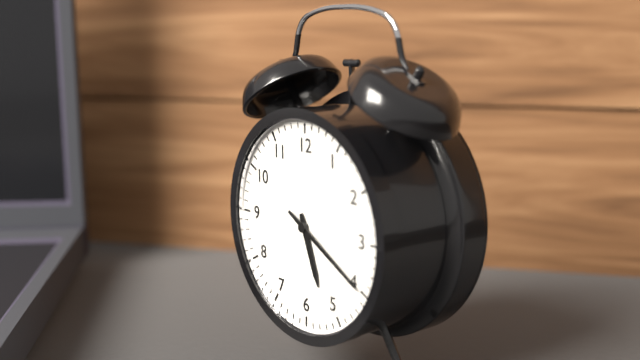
5:20
